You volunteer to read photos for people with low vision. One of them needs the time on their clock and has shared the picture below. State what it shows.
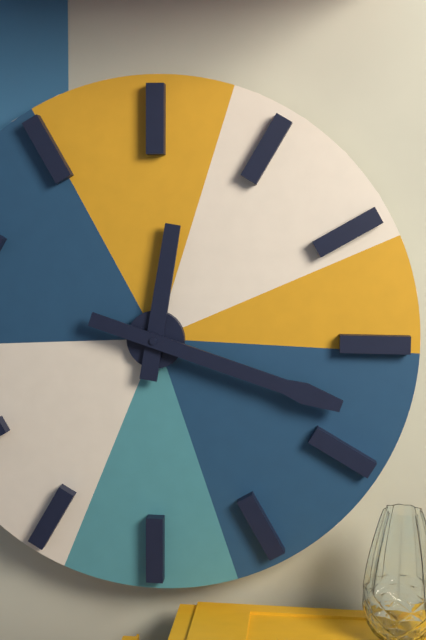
12:18
